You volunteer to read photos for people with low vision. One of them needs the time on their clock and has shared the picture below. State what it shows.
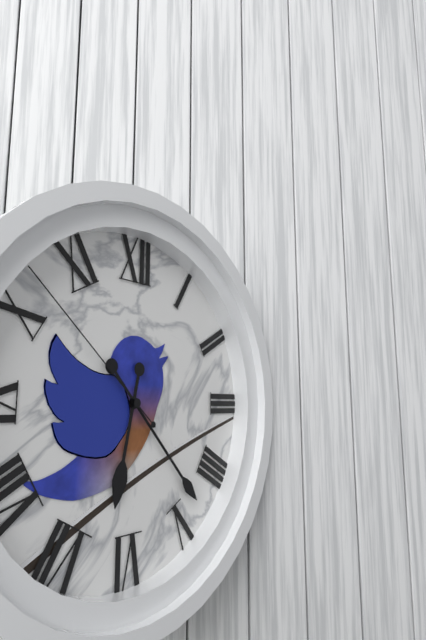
6:23:52
